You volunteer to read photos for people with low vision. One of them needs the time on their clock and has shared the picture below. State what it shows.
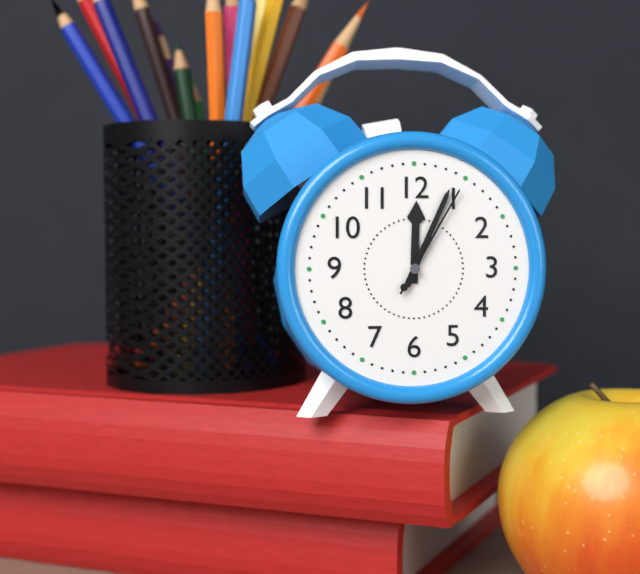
12:04:05
